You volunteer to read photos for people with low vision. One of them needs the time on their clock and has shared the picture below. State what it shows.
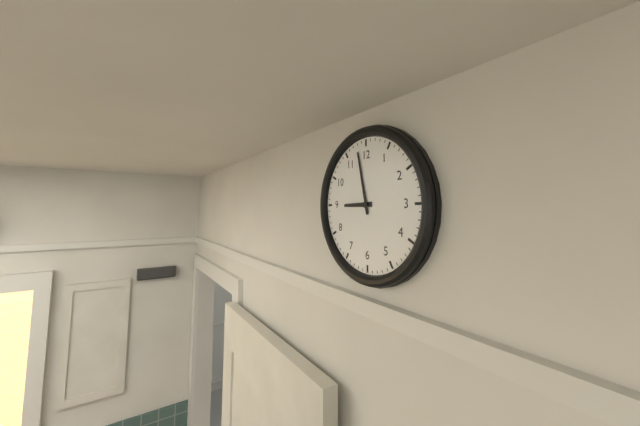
8:58
